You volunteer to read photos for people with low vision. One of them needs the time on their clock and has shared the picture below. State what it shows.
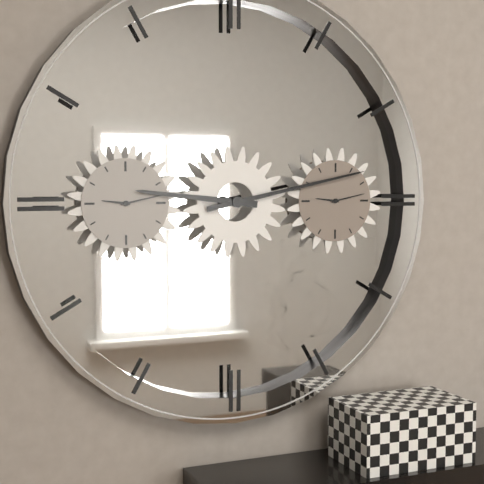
9:13
